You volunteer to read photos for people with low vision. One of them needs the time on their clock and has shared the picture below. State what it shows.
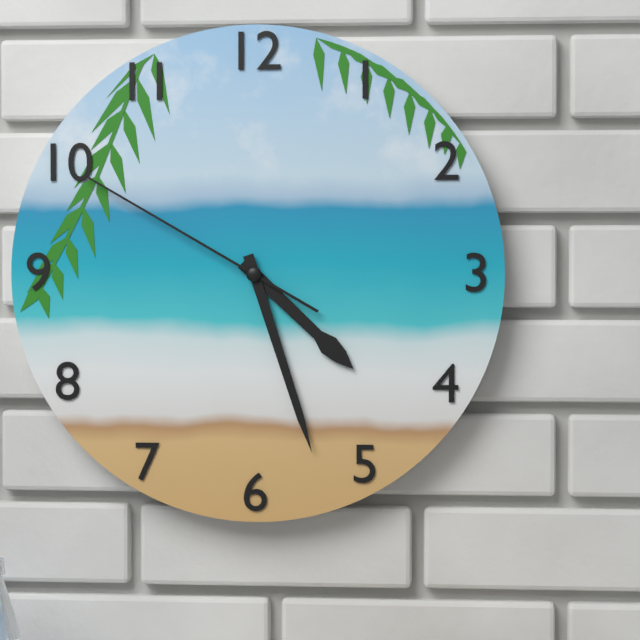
4:27:50
